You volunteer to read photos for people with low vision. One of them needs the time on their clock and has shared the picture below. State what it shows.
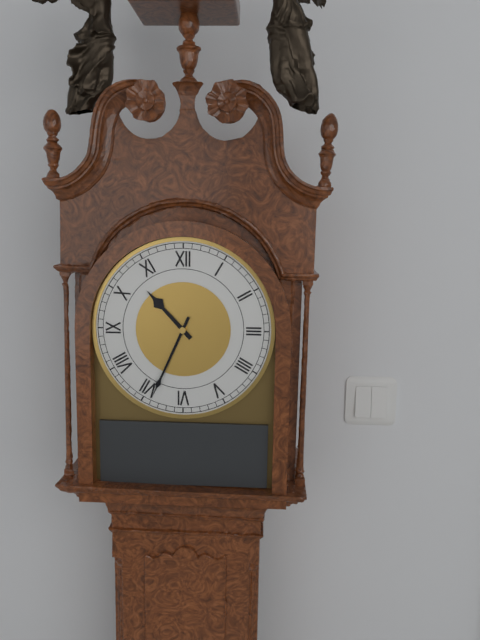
10:34
